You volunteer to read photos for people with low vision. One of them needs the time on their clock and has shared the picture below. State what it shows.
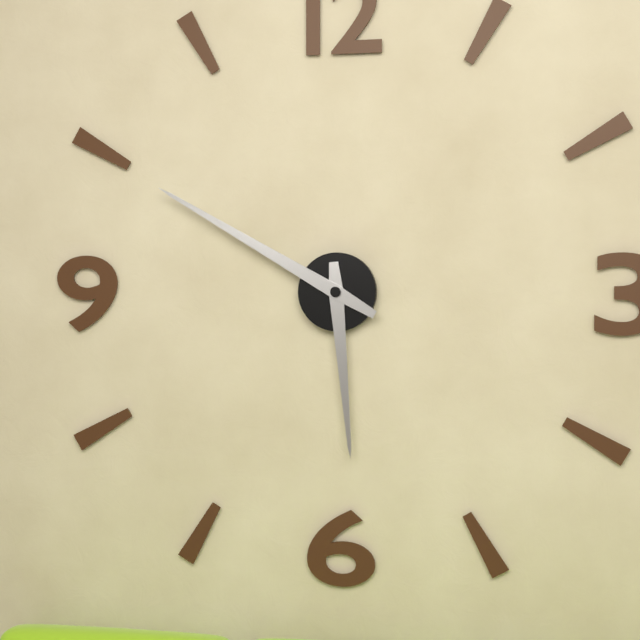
5:50
